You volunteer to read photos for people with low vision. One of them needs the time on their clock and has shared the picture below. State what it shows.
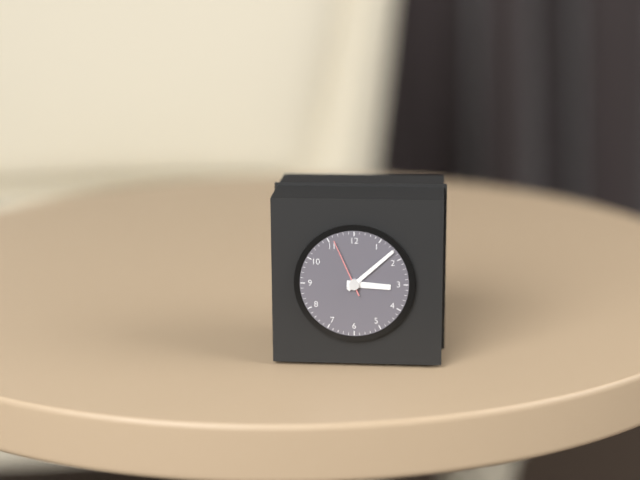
3:08:56
